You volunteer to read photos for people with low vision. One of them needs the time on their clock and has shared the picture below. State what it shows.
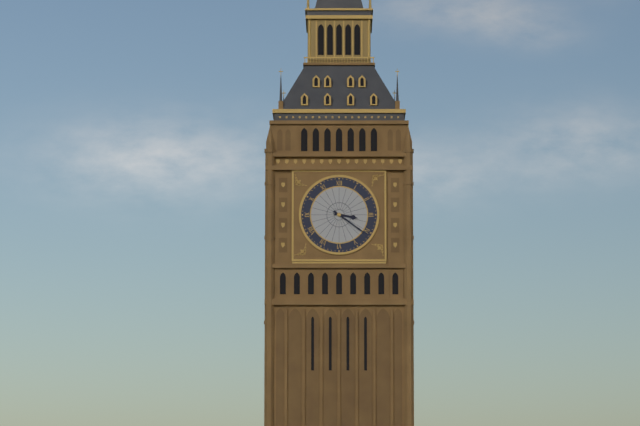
3:21
